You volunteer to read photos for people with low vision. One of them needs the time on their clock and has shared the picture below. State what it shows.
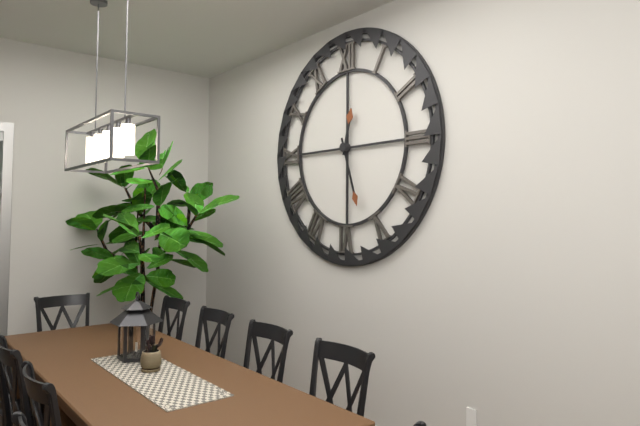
12:27
